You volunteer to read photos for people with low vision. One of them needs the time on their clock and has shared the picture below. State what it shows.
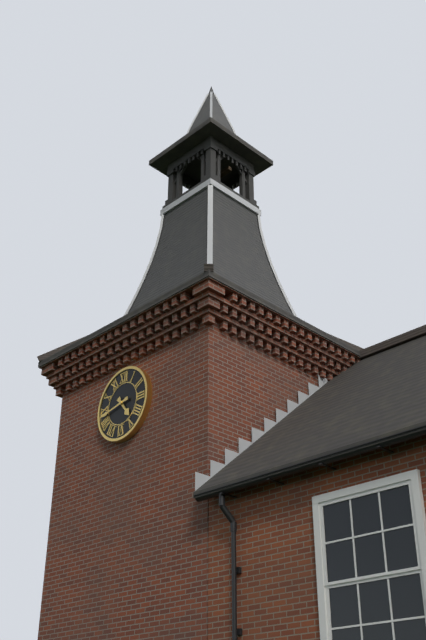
4:43
